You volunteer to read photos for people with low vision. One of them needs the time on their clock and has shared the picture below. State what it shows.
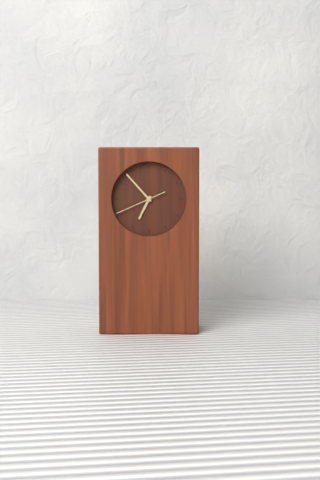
6:53
